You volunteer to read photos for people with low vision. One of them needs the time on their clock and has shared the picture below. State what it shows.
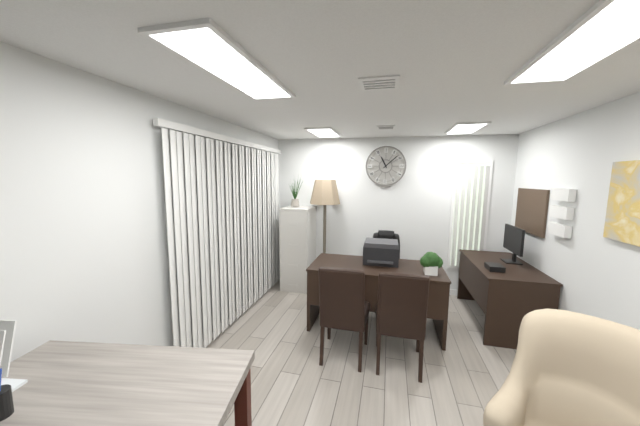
11:08
